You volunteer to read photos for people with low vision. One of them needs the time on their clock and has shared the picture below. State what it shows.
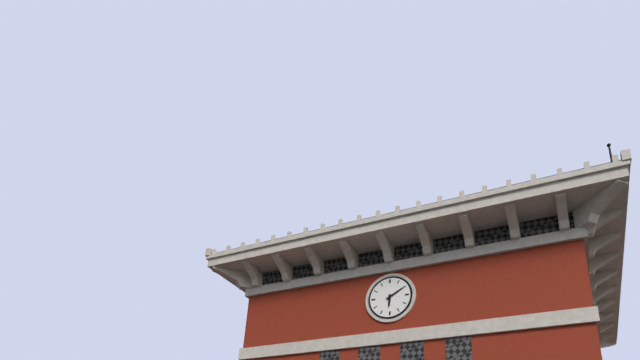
6:10
